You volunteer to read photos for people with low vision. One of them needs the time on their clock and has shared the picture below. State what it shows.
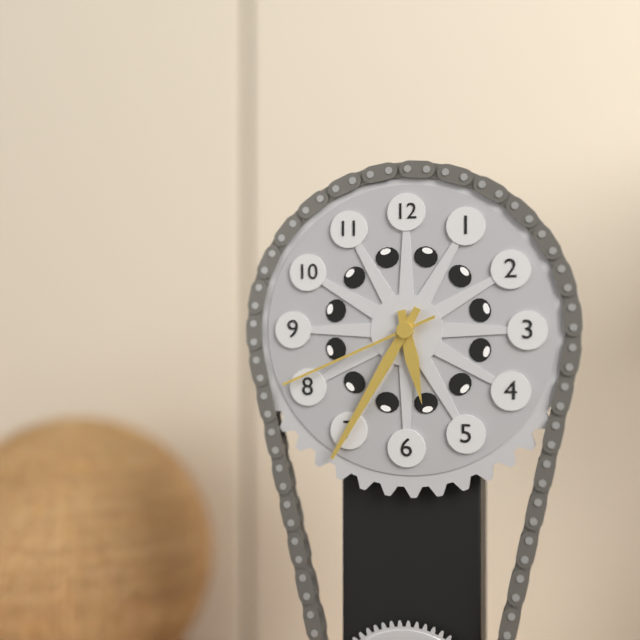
5:35:41
